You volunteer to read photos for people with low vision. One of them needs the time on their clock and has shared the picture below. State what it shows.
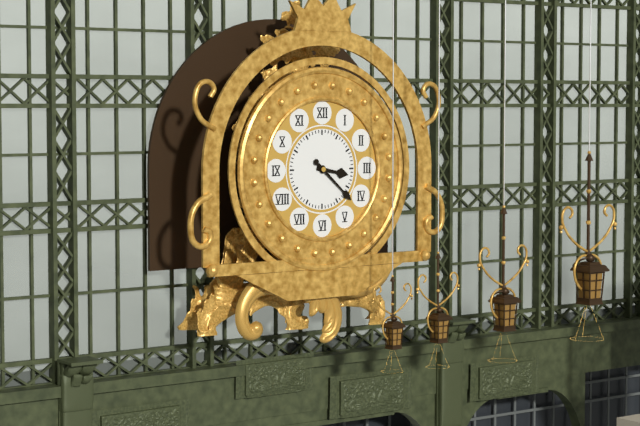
3:22
